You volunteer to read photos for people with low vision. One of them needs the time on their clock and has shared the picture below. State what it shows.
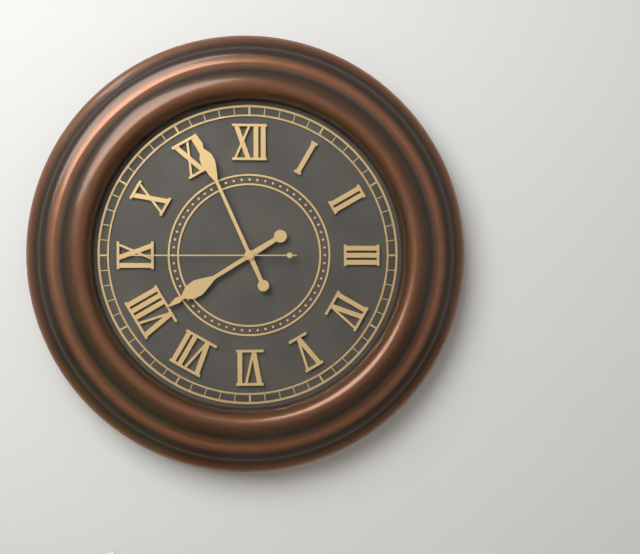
7:56:45
